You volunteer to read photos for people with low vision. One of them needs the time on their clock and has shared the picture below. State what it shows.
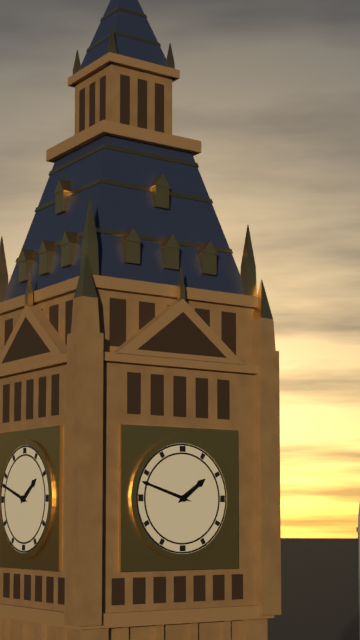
1:48
